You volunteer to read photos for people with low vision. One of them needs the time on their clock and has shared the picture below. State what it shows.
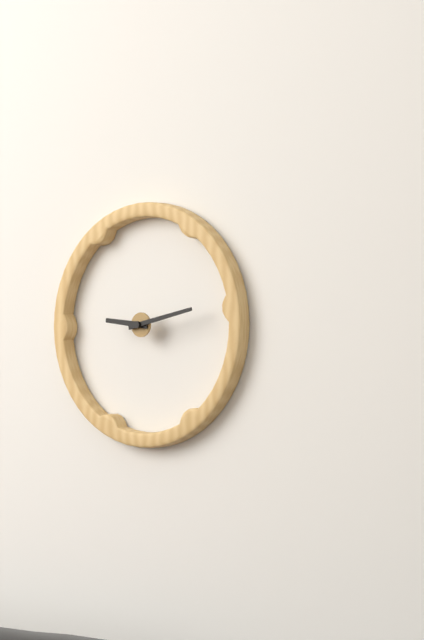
9:13
